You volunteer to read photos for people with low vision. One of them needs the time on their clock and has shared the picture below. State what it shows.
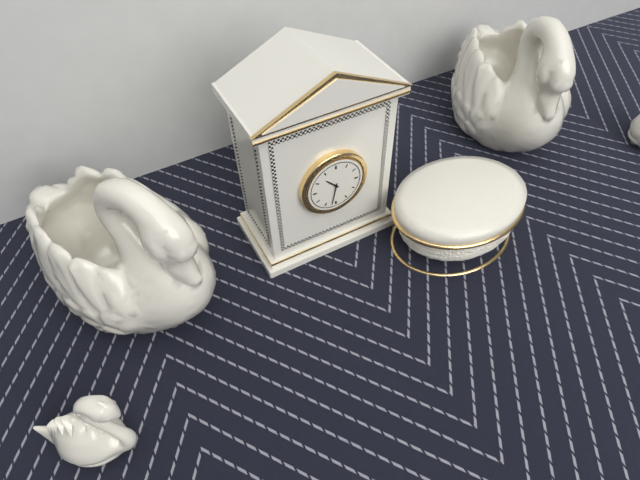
10:32
